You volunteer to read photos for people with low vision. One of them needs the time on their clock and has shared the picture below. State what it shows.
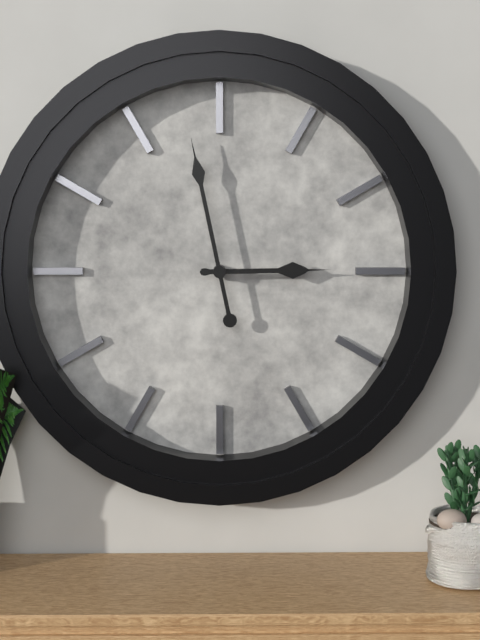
2:58
